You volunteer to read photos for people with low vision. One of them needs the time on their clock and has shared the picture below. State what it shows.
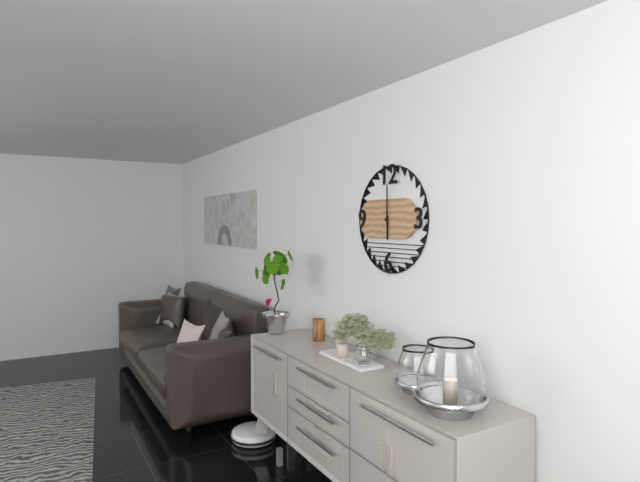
6:00
